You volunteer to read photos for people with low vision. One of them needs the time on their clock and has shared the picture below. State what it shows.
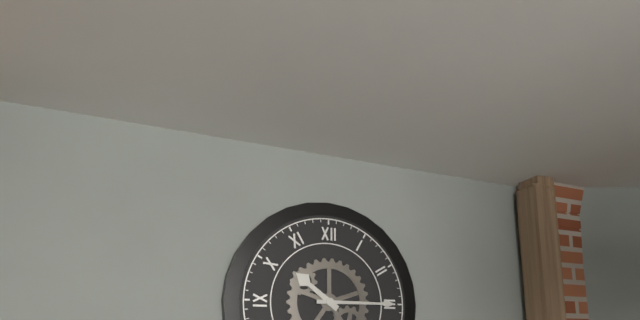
10:15
